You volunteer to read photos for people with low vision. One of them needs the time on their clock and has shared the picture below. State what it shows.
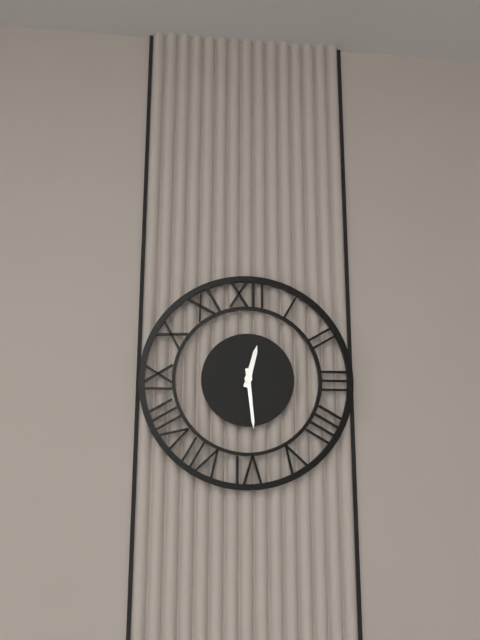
12:29
